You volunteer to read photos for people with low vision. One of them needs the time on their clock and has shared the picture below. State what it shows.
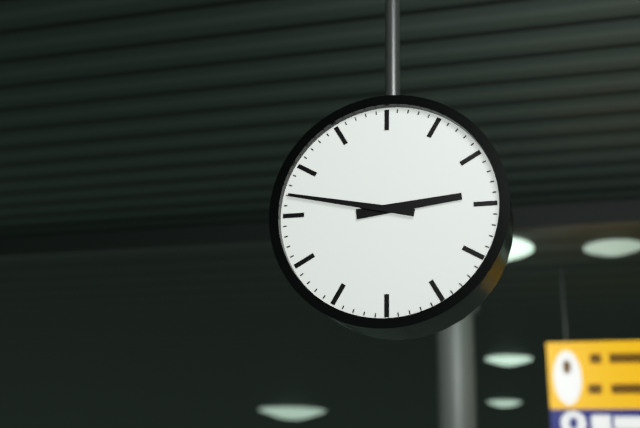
2:47
